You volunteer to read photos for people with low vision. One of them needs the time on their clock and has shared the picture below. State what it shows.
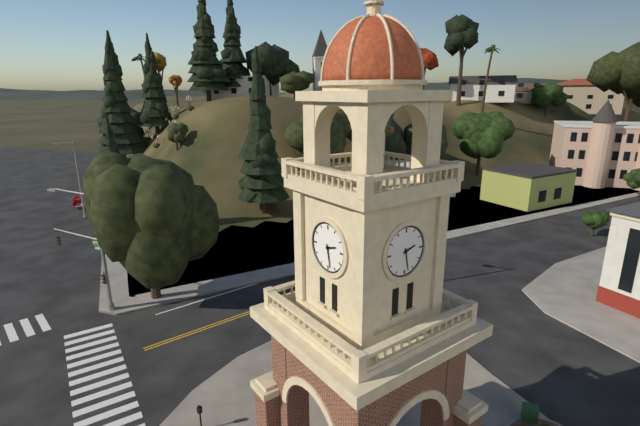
2:28
